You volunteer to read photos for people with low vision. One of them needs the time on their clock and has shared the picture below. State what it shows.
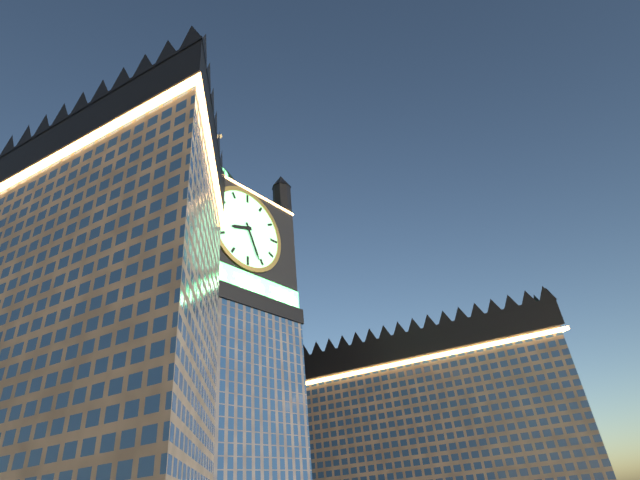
8:26
